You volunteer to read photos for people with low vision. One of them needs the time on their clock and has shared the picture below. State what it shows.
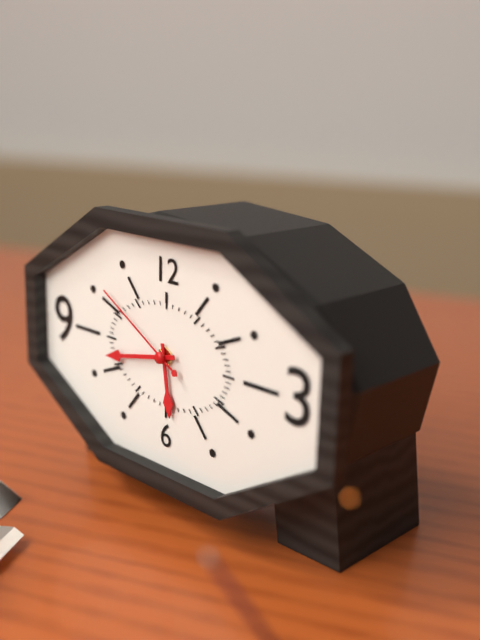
5:43:50
